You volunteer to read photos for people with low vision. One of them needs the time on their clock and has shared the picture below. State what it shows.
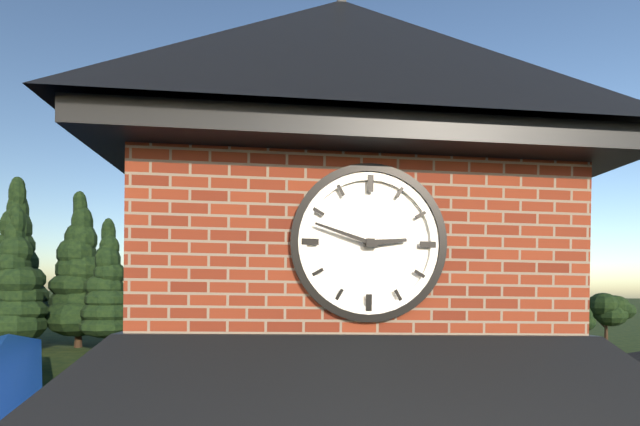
2:48
